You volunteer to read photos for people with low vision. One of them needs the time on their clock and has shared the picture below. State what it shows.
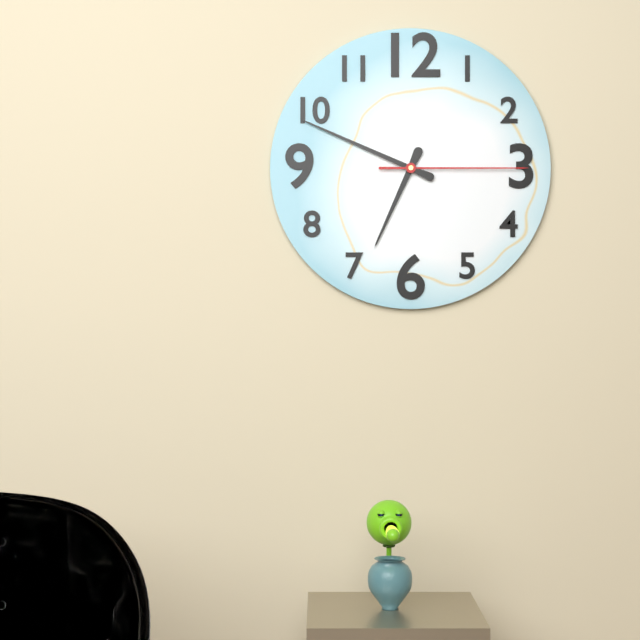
6:49:15
